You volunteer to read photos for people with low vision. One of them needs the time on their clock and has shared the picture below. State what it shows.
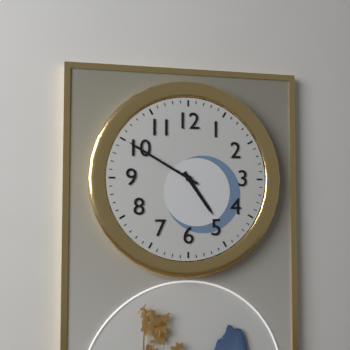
4:50
